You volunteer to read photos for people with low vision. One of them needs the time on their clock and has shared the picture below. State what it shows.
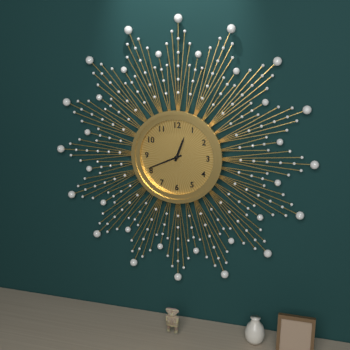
12:41
